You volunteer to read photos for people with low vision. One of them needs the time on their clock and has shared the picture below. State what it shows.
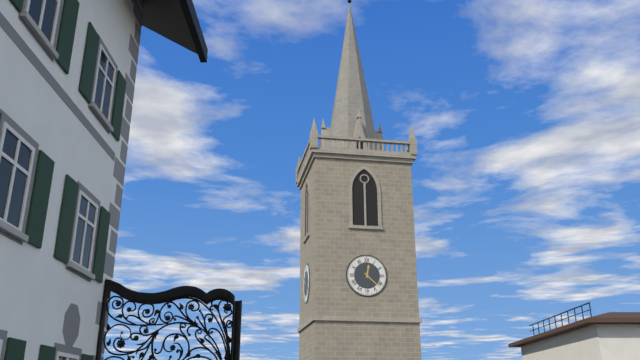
12:22
